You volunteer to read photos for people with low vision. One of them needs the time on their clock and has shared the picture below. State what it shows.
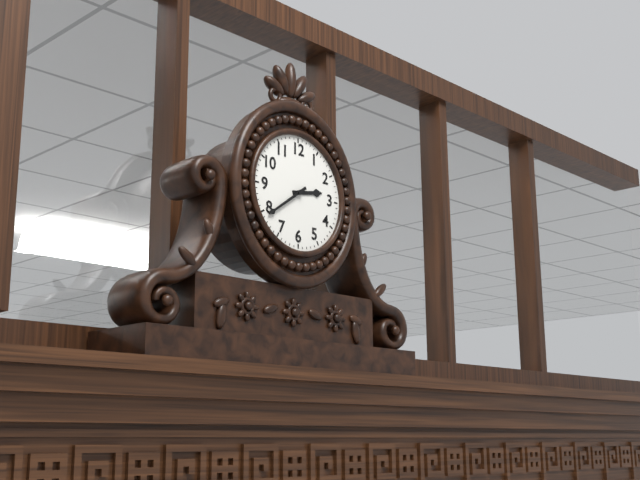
2:39
